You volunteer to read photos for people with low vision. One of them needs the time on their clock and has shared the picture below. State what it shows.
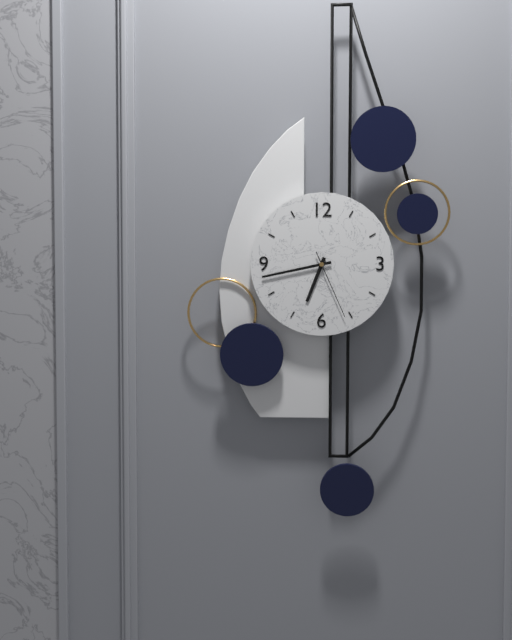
6:43:26
